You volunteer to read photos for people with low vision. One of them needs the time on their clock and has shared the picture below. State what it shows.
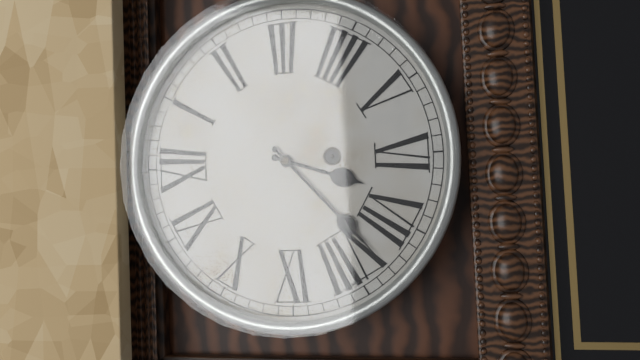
6:38
